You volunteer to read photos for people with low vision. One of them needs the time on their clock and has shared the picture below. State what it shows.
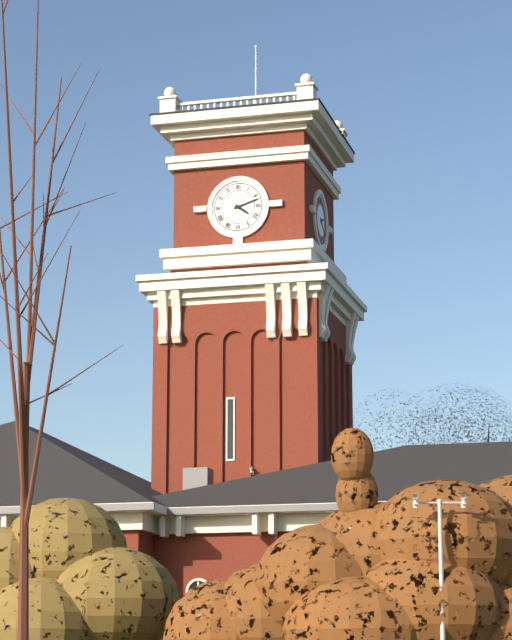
4:12
